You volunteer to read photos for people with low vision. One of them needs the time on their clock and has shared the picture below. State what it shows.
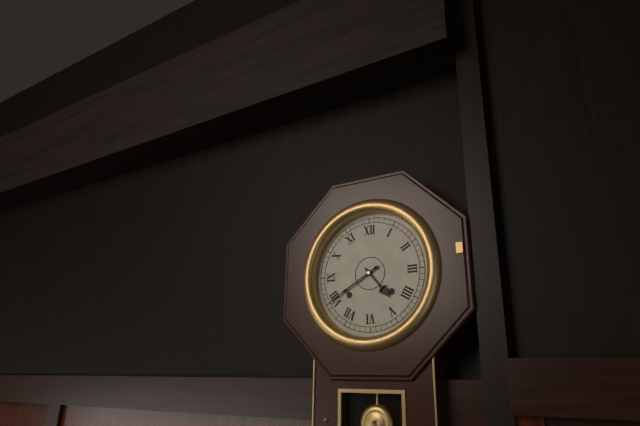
4:40
